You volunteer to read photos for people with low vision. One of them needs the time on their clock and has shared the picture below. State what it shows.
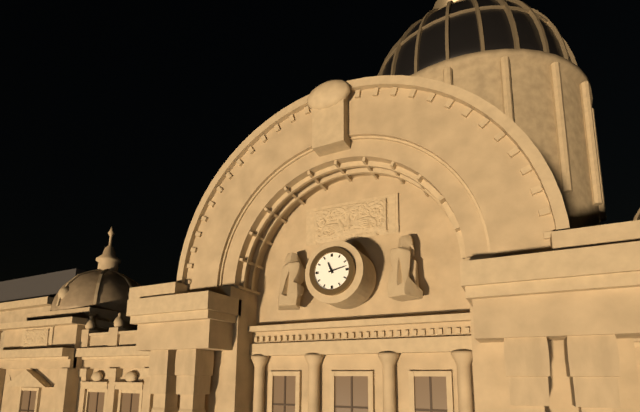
11:13
